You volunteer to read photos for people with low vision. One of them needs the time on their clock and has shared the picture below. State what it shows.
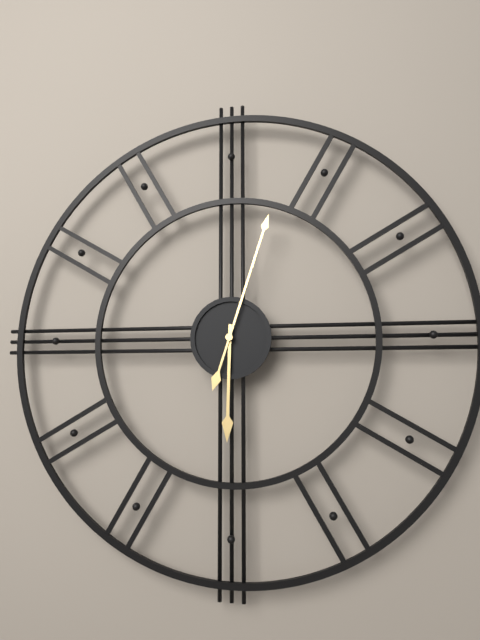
6:03
